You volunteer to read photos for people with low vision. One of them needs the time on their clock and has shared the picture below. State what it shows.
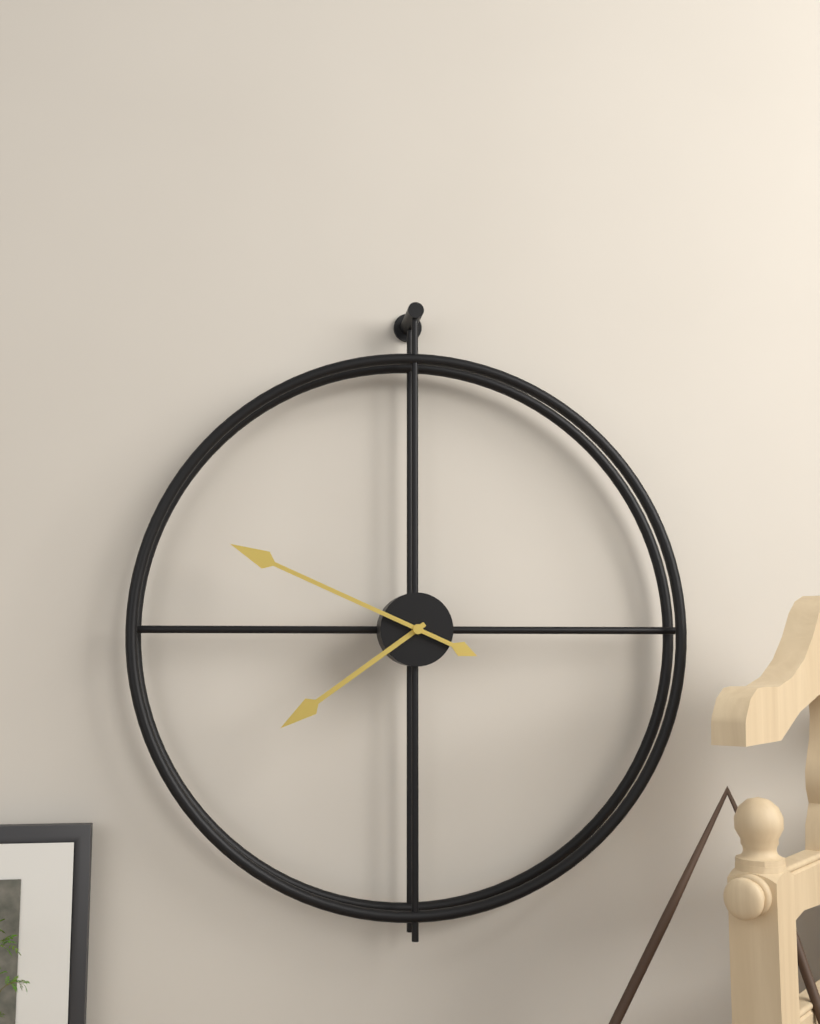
7:49
